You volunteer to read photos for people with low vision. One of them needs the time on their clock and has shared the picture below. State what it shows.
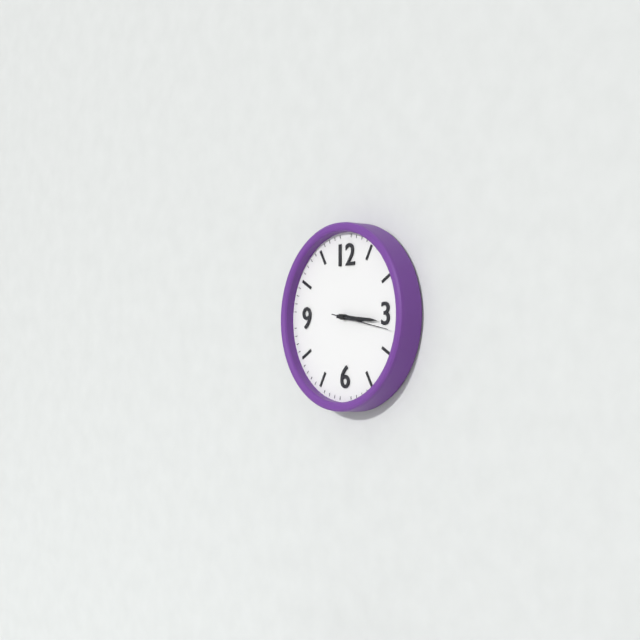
3:16
